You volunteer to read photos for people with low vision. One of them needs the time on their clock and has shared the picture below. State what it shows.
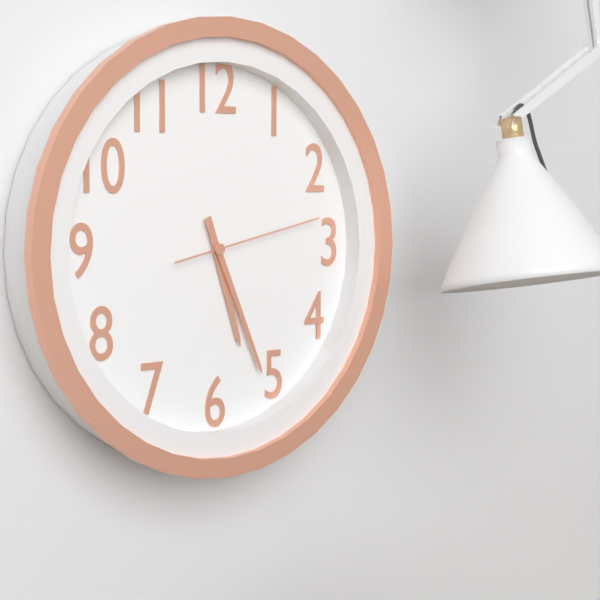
5:26:13
